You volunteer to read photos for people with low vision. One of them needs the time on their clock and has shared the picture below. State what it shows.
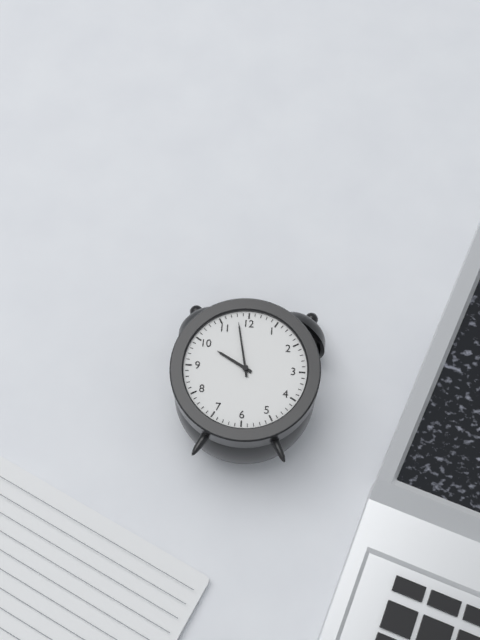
9:58
